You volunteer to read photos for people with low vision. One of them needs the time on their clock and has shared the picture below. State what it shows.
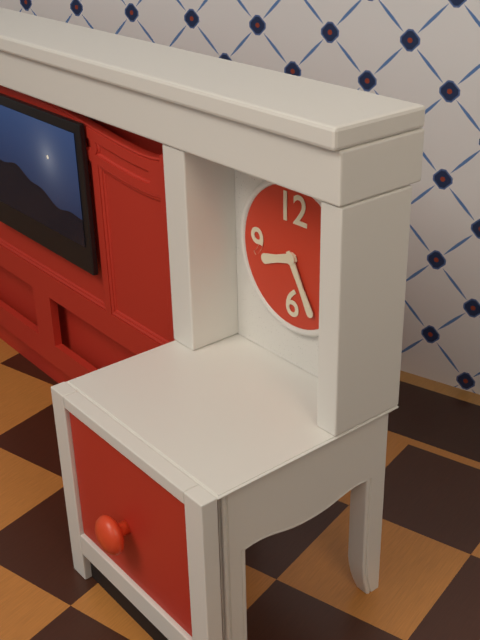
8:25
